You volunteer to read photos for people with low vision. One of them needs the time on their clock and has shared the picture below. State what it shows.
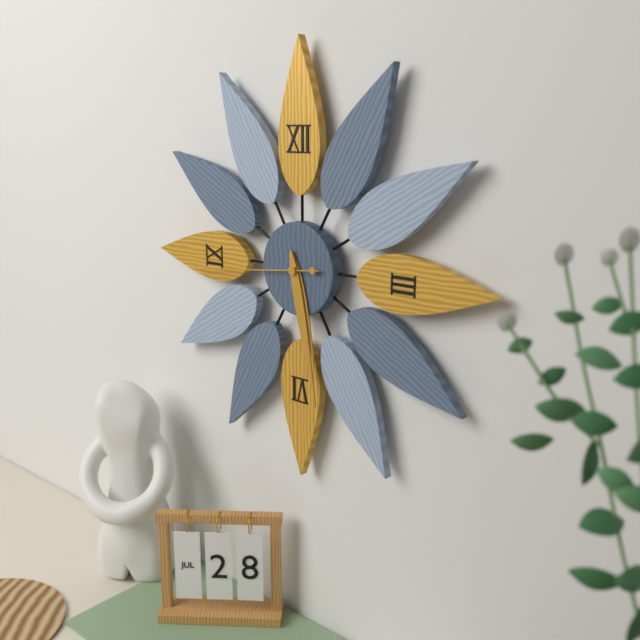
5:28:44
